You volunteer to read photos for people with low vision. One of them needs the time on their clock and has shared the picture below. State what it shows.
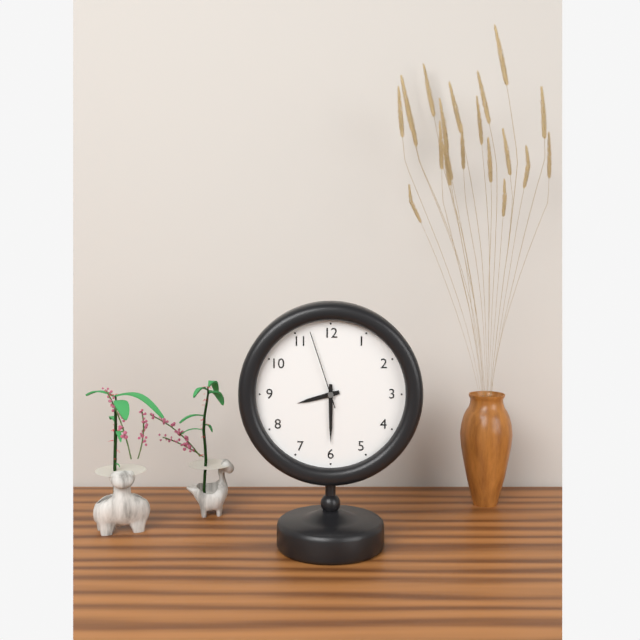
8:30:57
